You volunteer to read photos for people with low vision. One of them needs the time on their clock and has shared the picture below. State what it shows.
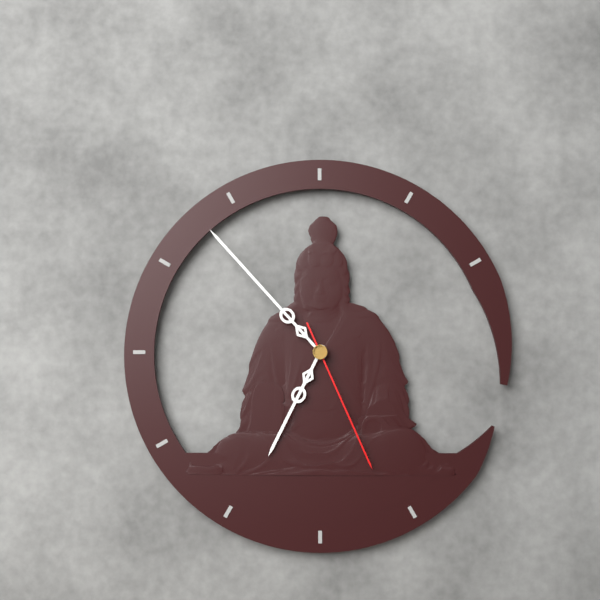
6:53:26
